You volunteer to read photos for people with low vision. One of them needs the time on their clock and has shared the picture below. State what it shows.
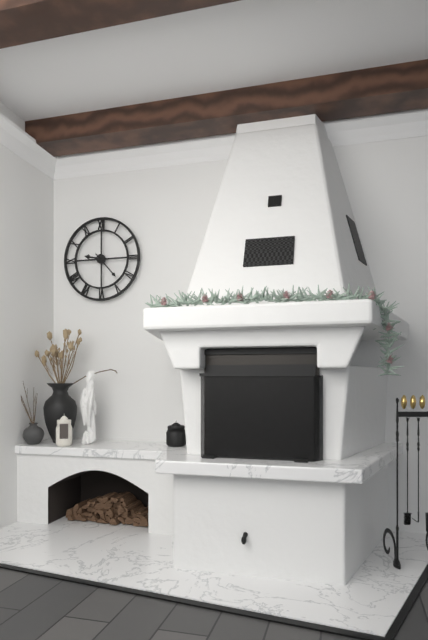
9:23
